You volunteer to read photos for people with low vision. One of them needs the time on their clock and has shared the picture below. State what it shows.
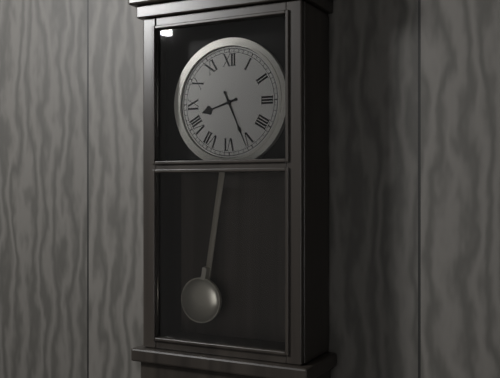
8:26
